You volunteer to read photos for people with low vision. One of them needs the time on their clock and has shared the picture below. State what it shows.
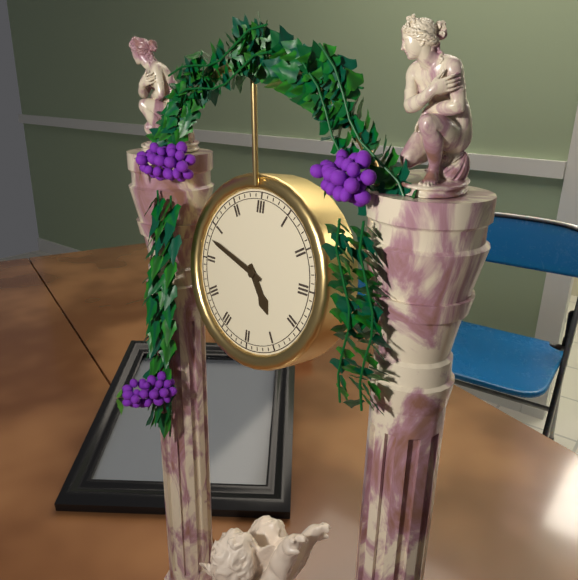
4:48
